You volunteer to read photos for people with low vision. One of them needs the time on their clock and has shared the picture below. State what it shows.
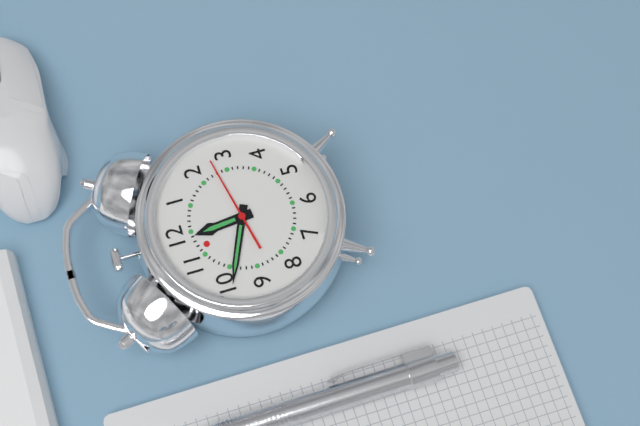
11:49:13
